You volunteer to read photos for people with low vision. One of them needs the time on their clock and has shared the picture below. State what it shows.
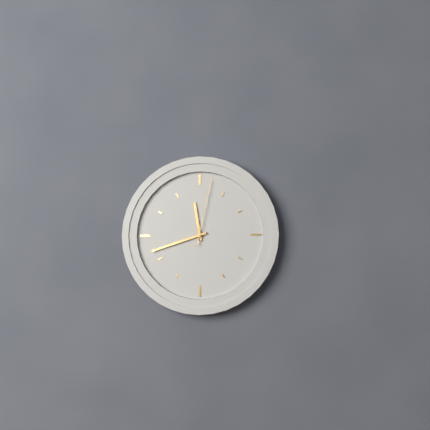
11:42:02
